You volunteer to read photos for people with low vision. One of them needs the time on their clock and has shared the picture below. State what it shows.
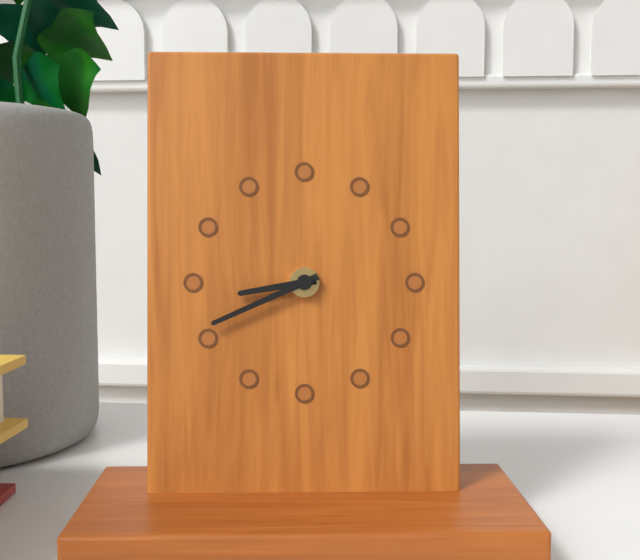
8:41
